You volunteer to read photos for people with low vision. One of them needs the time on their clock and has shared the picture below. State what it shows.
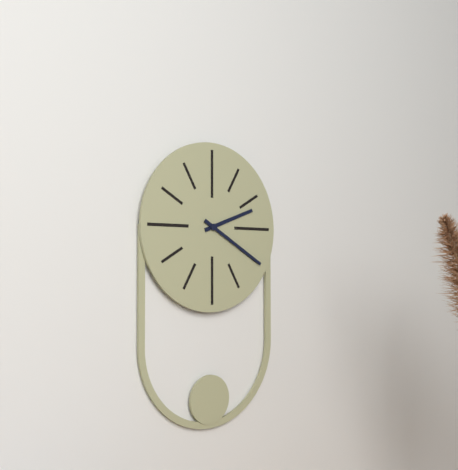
2:20
